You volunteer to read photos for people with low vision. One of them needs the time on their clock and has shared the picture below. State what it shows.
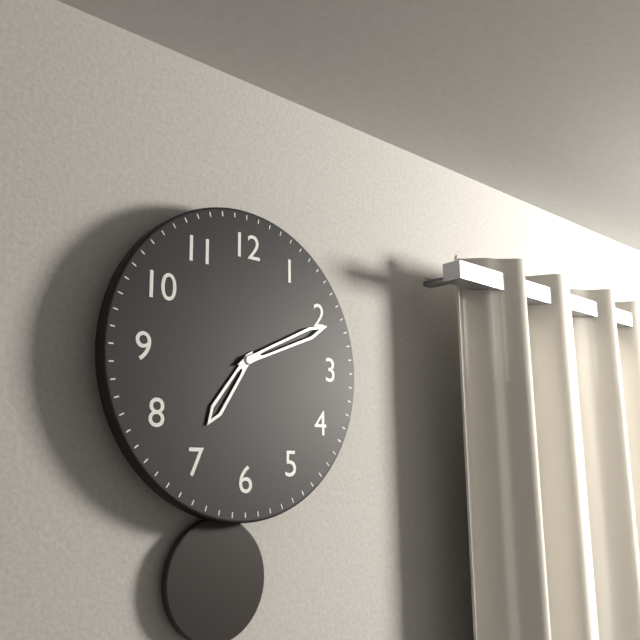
7:11
